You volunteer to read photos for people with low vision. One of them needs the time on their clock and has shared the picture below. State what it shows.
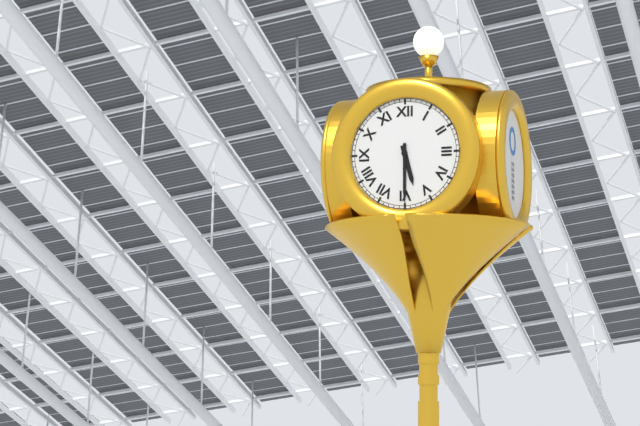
5:30
